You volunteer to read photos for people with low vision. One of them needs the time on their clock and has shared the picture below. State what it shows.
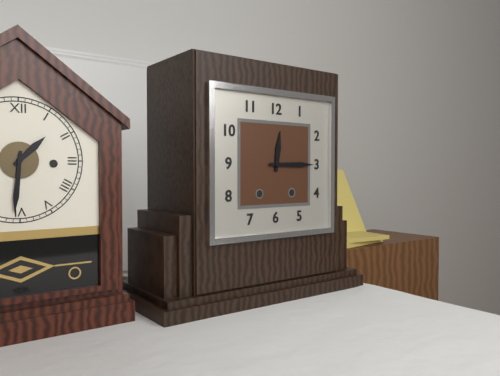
12:15
